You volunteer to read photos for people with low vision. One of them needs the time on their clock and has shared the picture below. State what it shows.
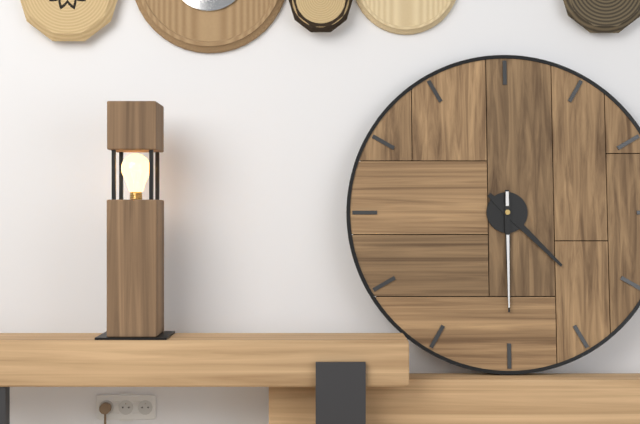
4:30
